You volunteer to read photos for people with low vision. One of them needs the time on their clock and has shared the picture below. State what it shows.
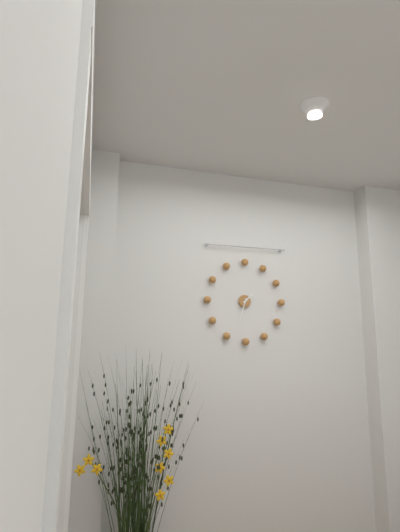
1:33
